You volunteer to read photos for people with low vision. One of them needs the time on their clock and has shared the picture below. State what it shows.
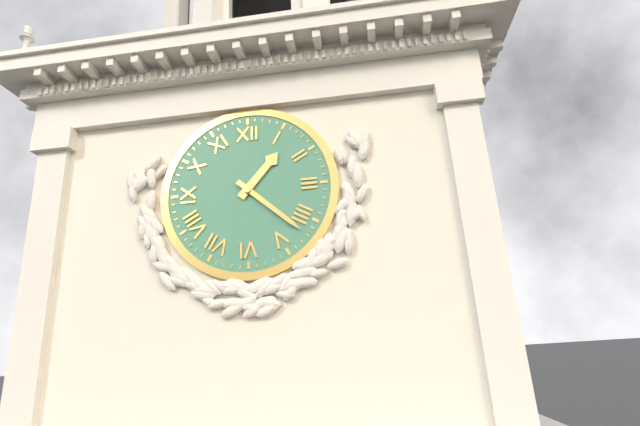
1:22
